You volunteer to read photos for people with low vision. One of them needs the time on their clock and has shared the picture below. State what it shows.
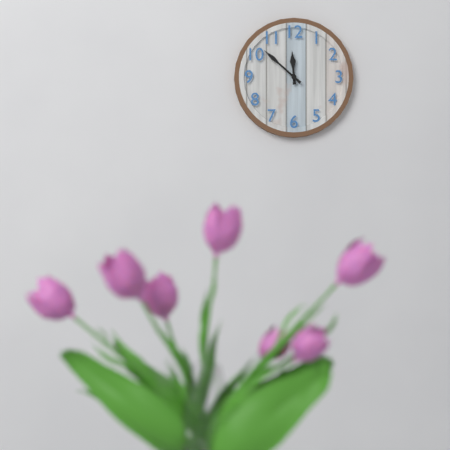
11:52
